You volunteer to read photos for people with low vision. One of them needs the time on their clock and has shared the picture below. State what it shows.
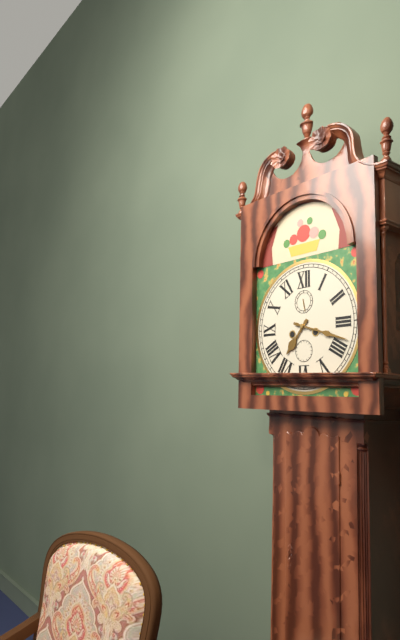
7:18
